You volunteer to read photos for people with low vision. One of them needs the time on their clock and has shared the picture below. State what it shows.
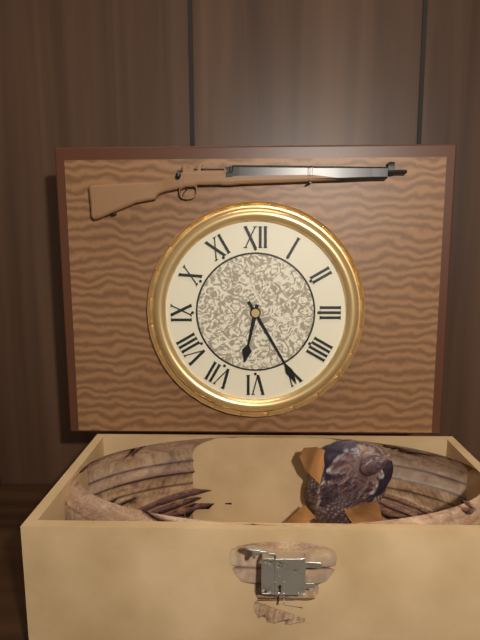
6:25
